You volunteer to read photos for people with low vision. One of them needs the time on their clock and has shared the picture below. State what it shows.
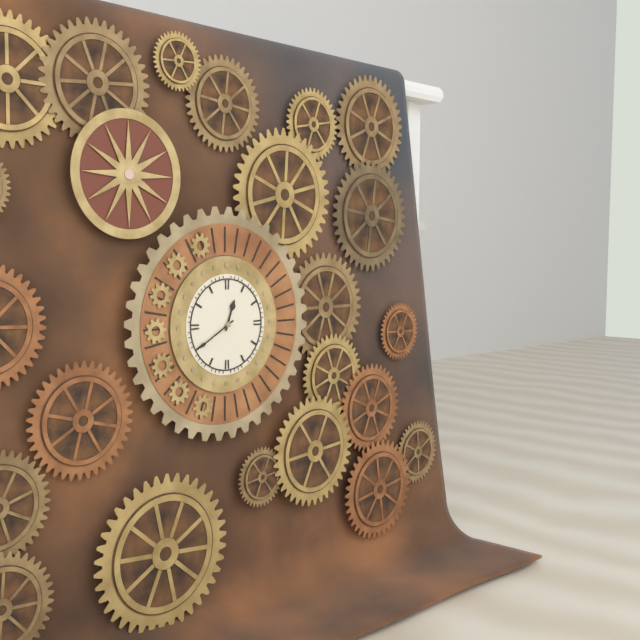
12:40
